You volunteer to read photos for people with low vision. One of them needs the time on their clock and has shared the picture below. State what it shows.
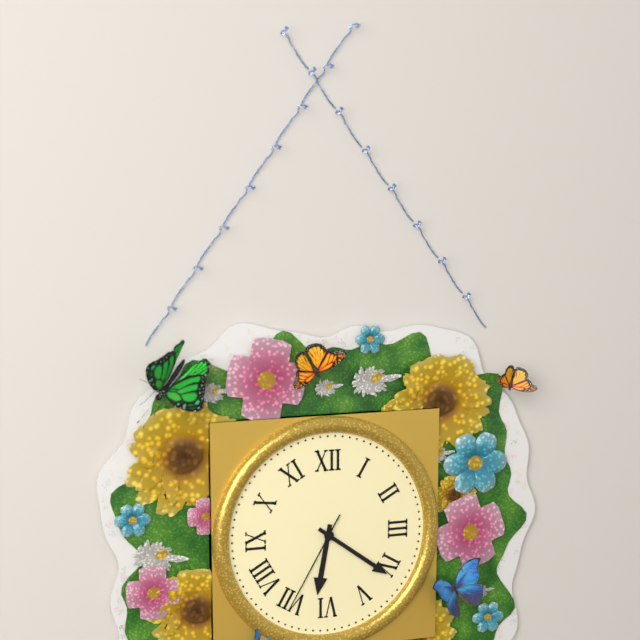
6:21:35
